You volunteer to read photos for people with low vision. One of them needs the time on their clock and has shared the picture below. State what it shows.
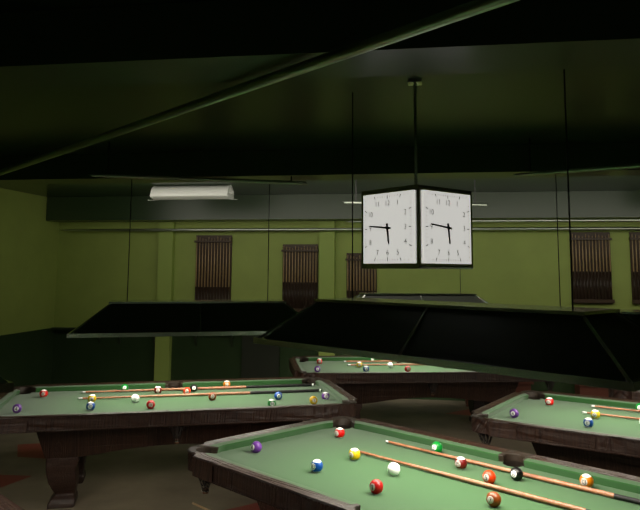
5:46
